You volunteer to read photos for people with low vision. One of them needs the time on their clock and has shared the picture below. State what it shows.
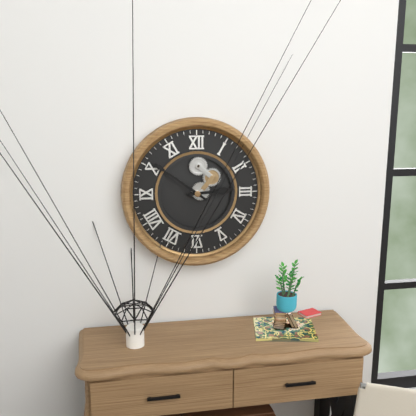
2:51
